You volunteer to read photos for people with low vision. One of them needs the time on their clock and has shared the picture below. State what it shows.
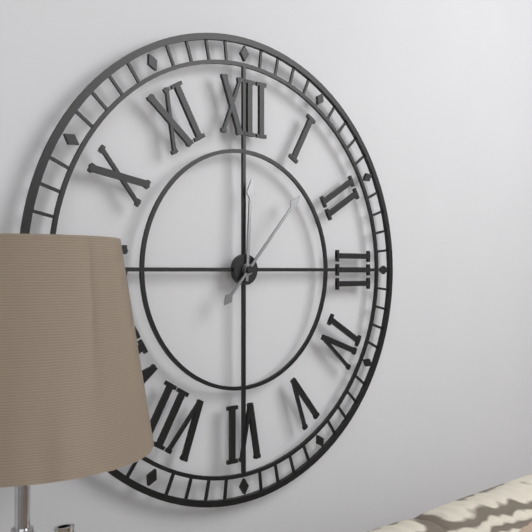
12:07
